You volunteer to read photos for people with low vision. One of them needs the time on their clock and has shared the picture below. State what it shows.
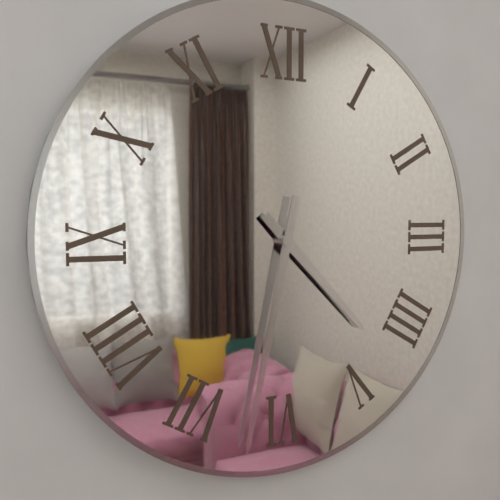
4:32
